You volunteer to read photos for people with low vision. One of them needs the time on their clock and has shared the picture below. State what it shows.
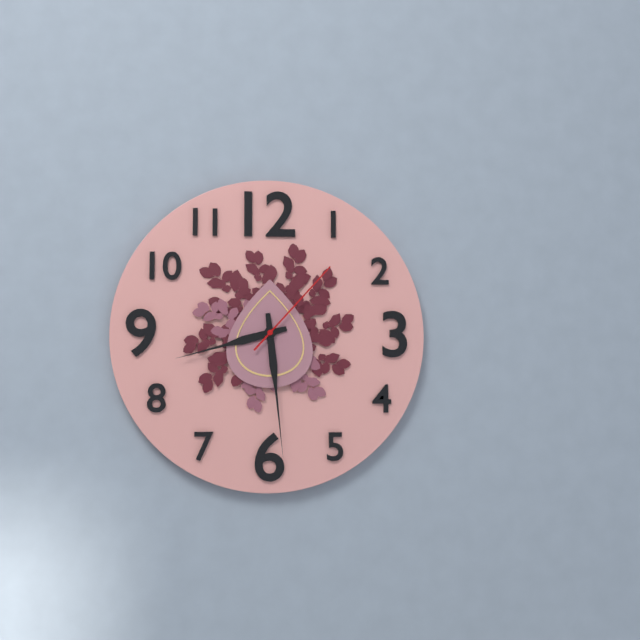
8:29:07
